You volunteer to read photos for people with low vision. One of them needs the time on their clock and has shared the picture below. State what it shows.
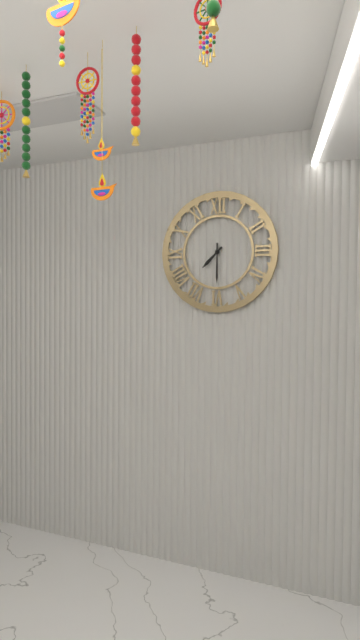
7:30
